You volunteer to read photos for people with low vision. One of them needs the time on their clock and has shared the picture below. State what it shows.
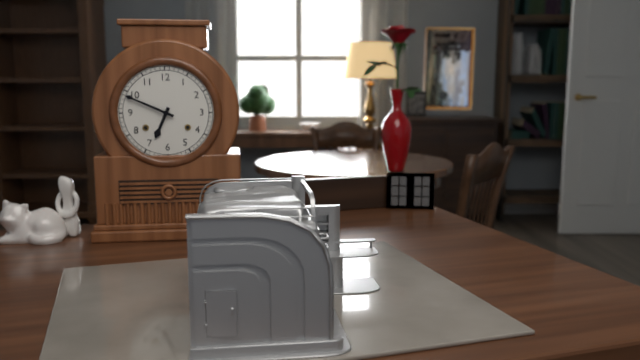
6:49
